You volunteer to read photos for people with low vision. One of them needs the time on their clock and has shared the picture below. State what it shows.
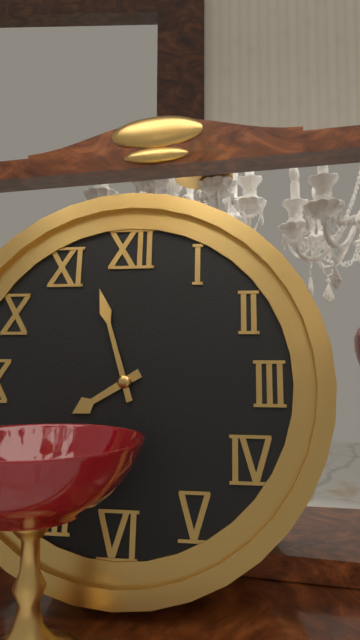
7:57
